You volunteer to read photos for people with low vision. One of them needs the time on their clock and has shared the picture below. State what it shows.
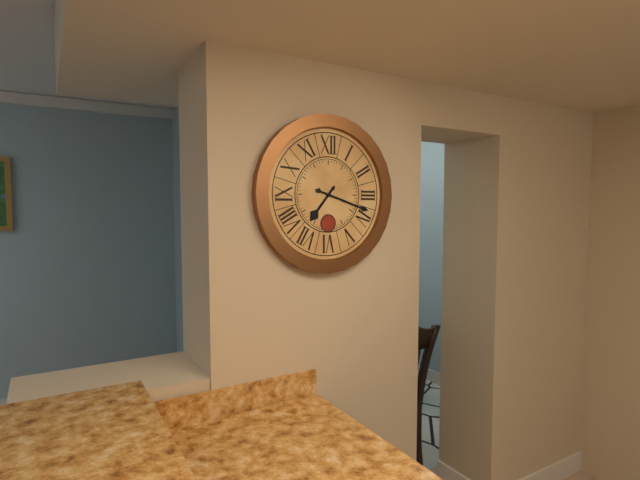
7:18
